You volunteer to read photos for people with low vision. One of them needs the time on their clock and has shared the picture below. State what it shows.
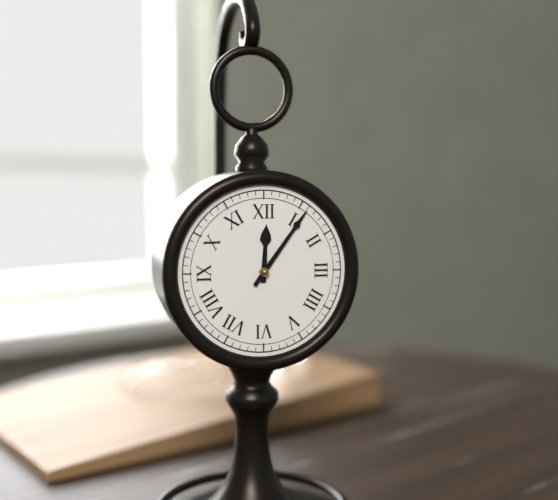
12:06
